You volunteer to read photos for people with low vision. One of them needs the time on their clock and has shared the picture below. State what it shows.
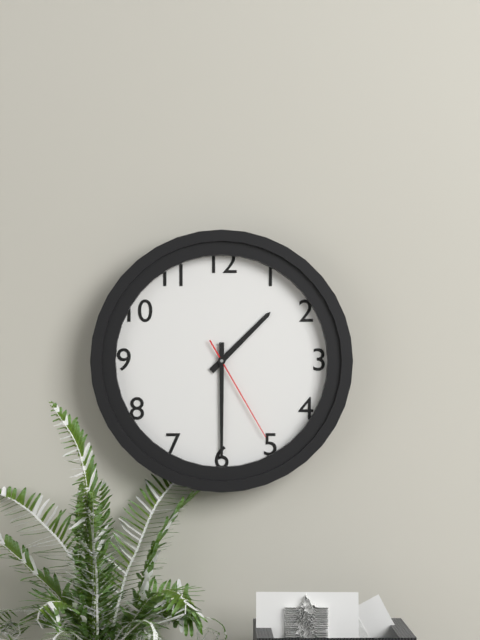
1:30:25
